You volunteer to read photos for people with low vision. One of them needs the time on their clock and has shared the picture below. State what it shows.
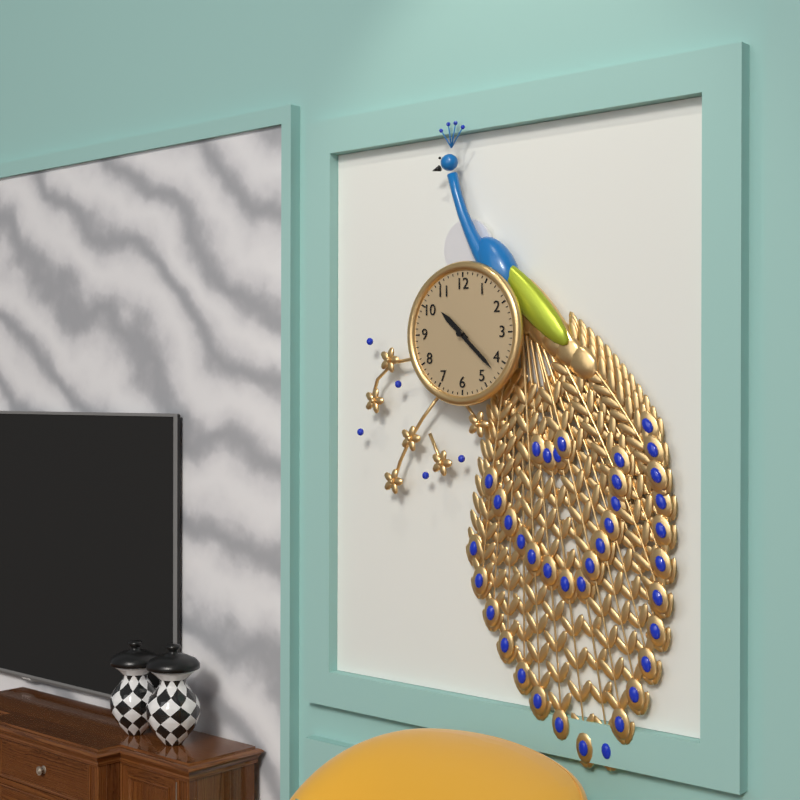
10:22
